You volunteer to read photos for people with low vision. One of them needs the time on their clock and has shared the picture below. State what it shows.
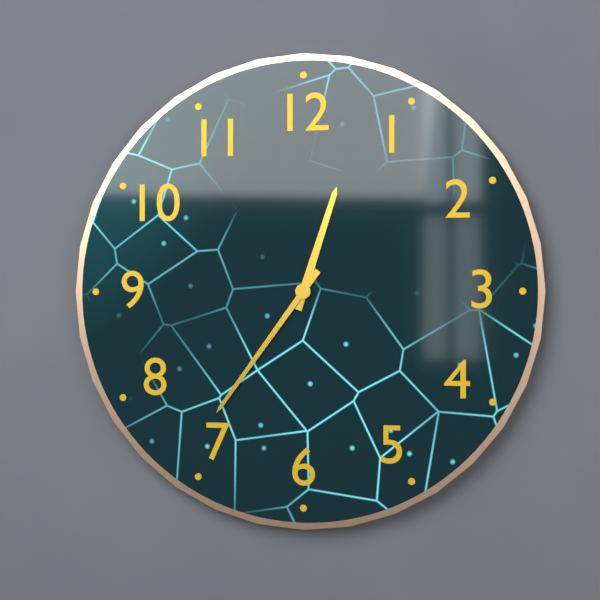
12:36
